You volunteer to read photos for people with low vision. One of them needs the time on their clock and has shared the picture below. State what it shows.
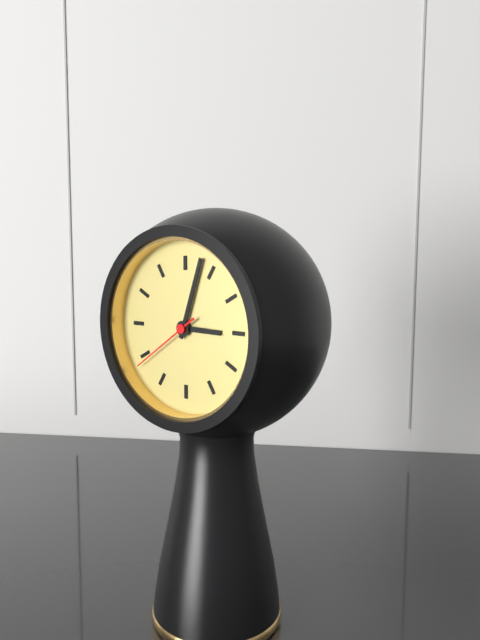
3:03:39
